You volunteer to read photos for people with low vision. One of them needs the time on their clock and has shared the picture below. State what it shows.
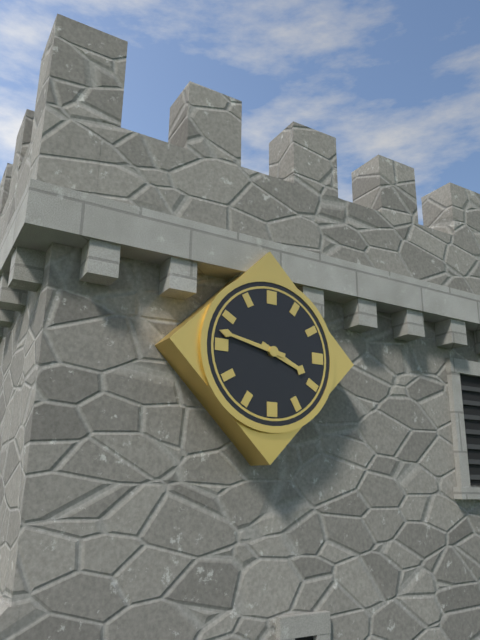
3:47
